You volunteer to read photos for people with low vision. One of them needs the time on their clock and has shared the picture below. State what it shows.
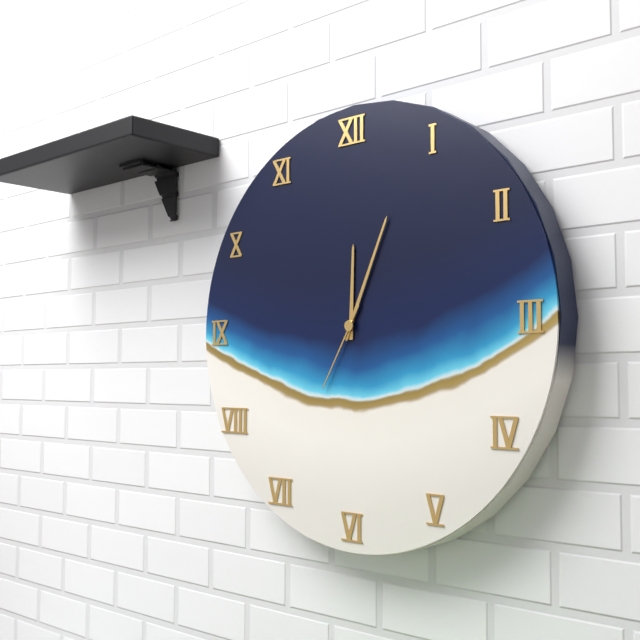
12:04:35
